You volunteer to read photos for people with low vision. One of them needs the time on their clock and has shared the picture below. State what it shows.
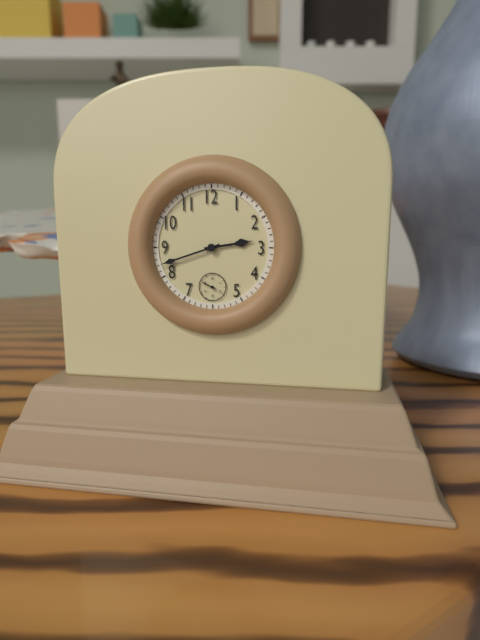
2:42
